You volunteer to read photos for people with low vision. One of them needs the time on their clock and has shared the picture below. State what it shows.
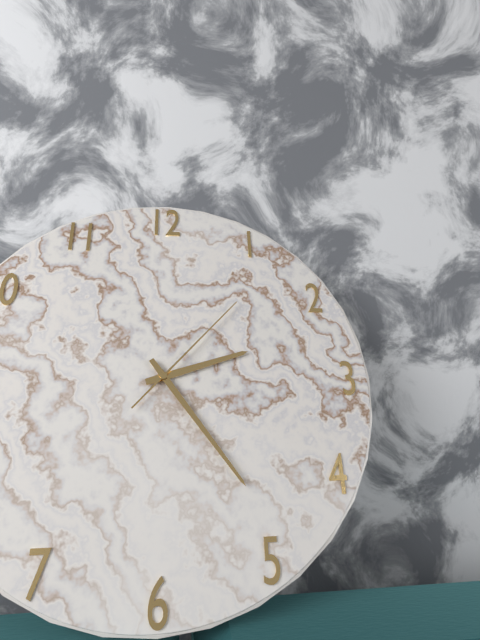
2:24:07
